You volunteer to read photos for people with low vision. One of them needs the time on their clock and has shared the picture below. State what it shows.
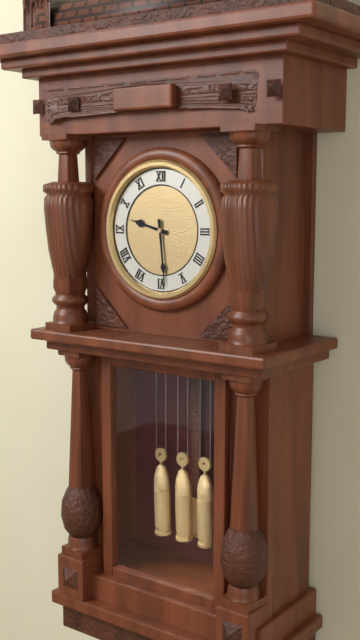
9:29
